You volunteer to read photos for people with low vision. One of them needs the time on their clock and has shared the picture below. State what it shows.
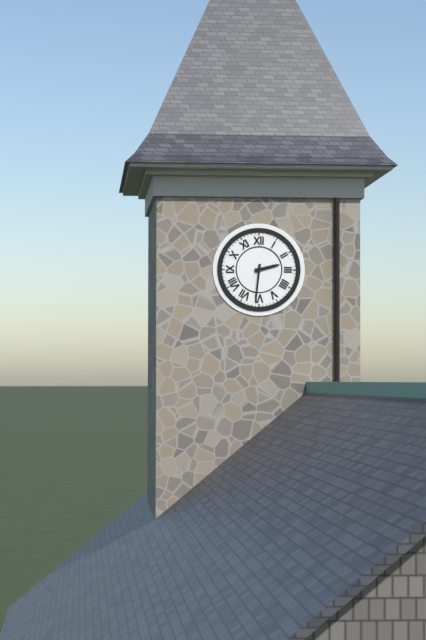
2:31
